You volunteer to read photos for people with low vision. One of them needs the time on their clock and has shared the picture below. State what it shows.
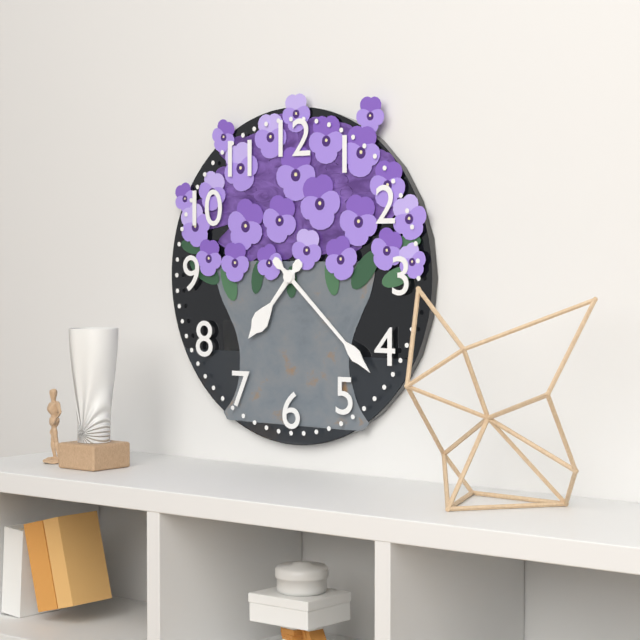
7:22
